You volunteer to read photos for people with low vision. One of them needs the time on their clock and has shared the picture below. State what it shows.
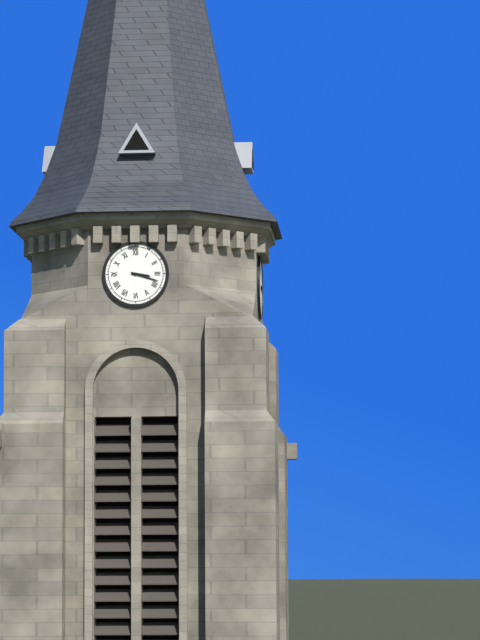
3:18
